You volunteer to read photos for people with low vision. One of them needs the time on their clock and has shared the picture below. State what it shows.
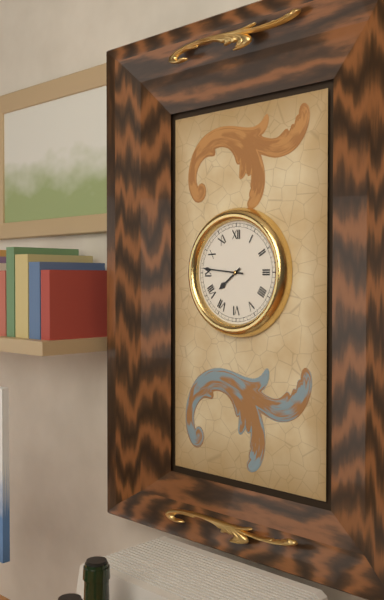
7:46
